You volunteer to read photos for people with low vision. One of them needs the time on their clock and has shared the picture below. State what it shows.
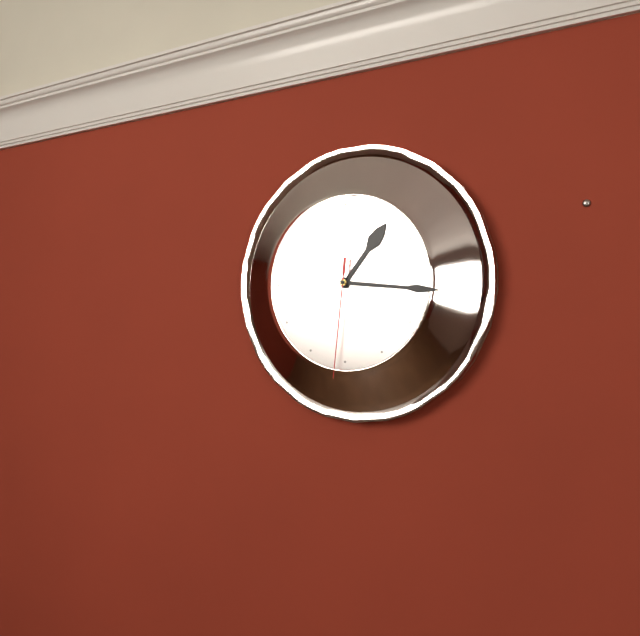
1:16:31
